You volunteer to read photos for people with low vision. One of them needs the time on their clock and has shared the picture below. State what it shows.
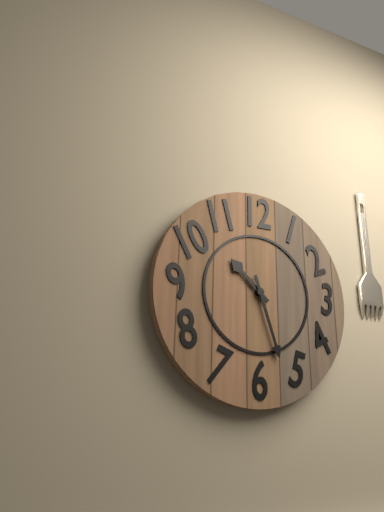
10:27
